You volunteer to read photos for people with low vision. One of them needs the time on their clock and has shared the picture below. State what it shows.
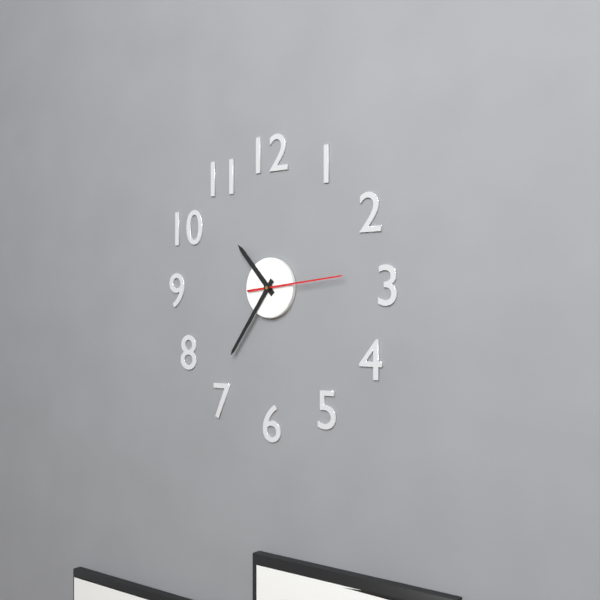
10:36:14
